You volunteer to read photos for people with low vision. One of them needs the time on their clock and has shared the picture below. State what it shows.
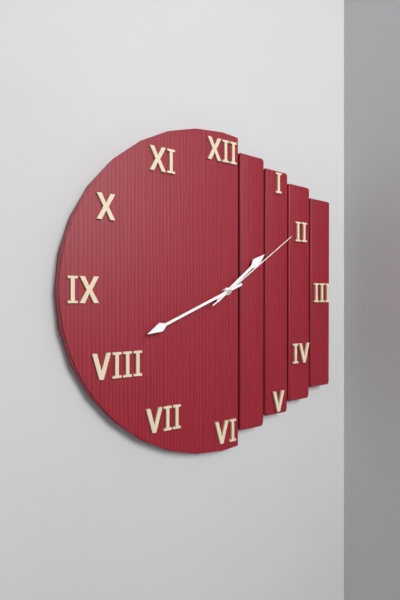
1:41:09
